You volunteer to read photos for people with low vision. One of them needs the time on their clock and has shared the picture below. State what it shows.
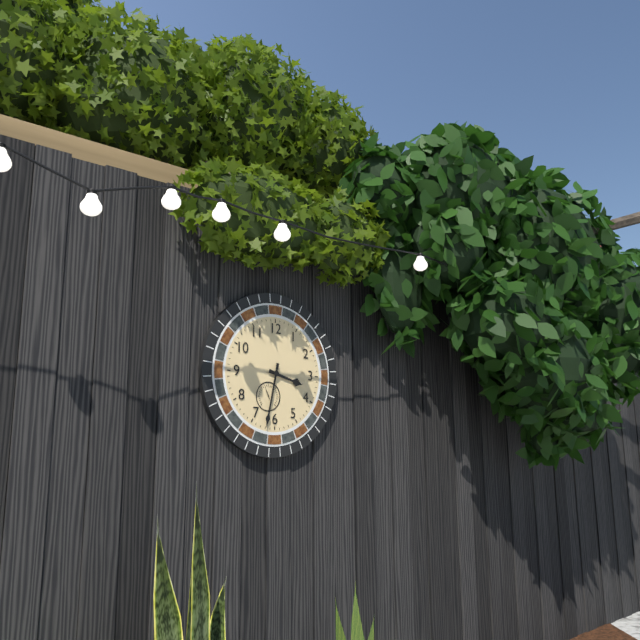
3:32
